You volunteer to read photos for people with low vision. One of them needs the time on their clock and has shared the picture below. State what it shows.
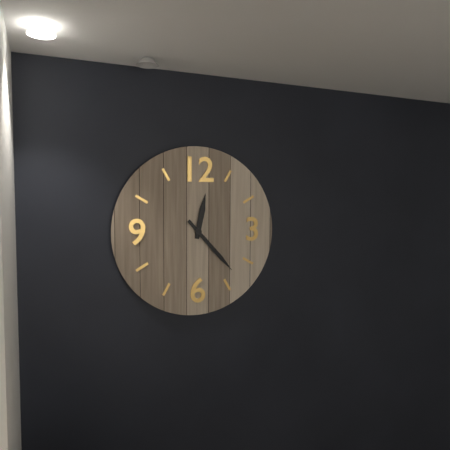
12:23
